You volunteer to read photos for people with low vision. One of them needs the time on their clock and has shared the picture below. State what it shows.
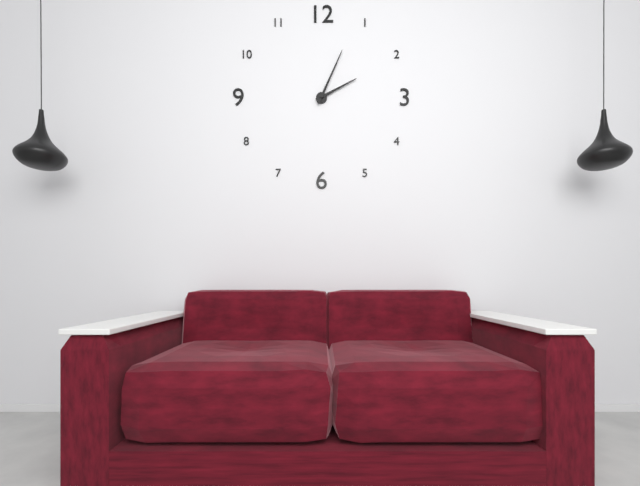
2:04
